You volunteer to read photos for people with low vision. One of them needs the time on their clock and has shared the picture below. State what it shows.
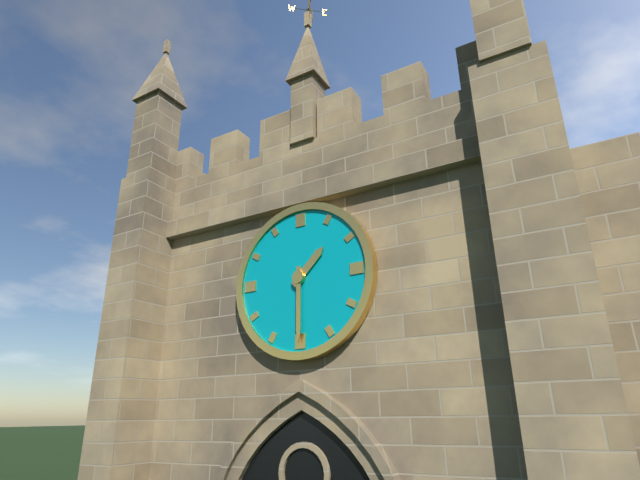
1:30
